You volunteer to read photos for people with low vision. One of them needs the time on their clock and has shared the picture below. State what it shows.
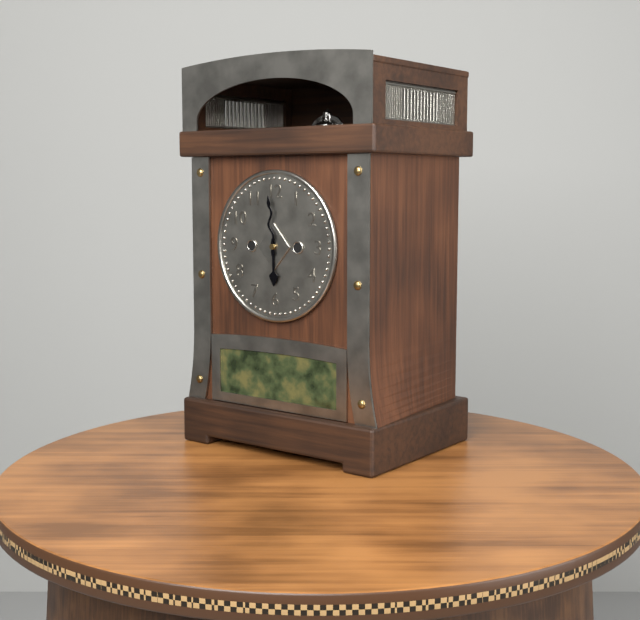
5:59
